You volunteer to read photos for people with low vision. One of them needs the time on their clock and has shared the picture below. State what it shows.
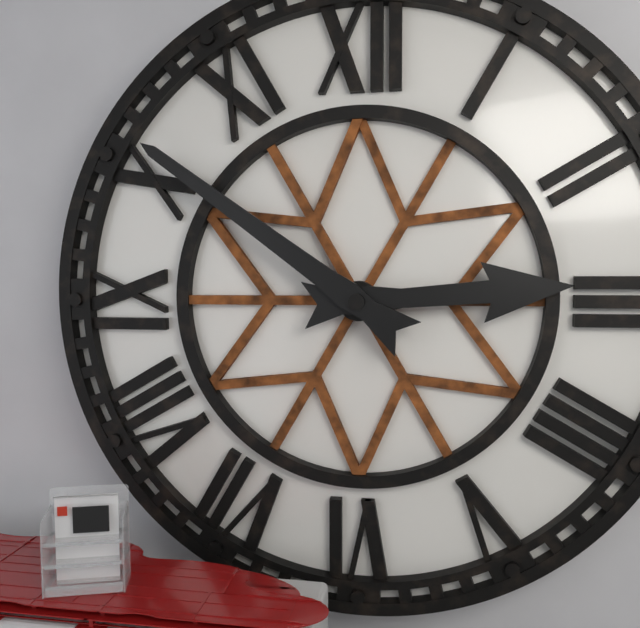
2:51
